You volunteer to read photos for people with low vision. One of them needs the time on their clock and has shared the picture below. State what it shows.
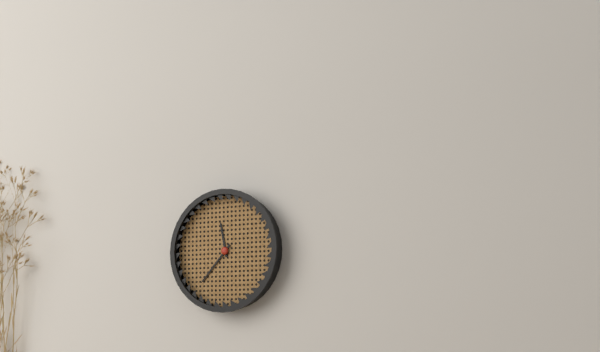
11:37
